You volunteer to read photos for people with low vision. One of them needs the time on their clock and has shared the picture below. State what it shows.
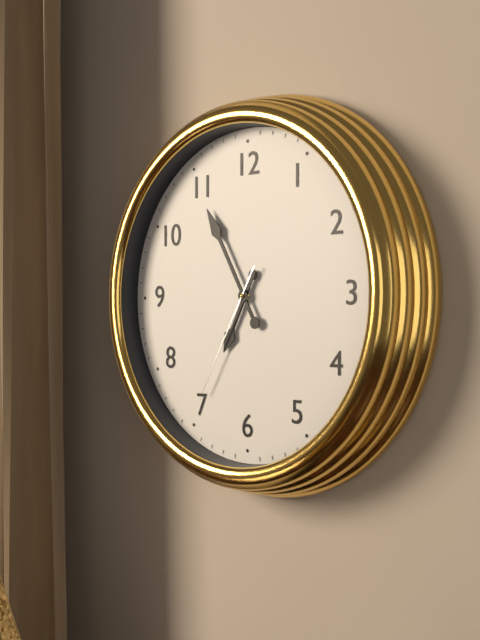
6:55:35
